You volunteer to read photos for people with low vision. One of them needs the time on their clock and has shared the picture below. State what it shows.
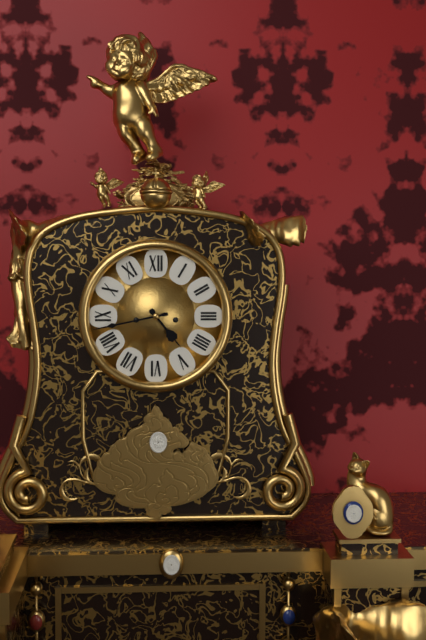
4:43
